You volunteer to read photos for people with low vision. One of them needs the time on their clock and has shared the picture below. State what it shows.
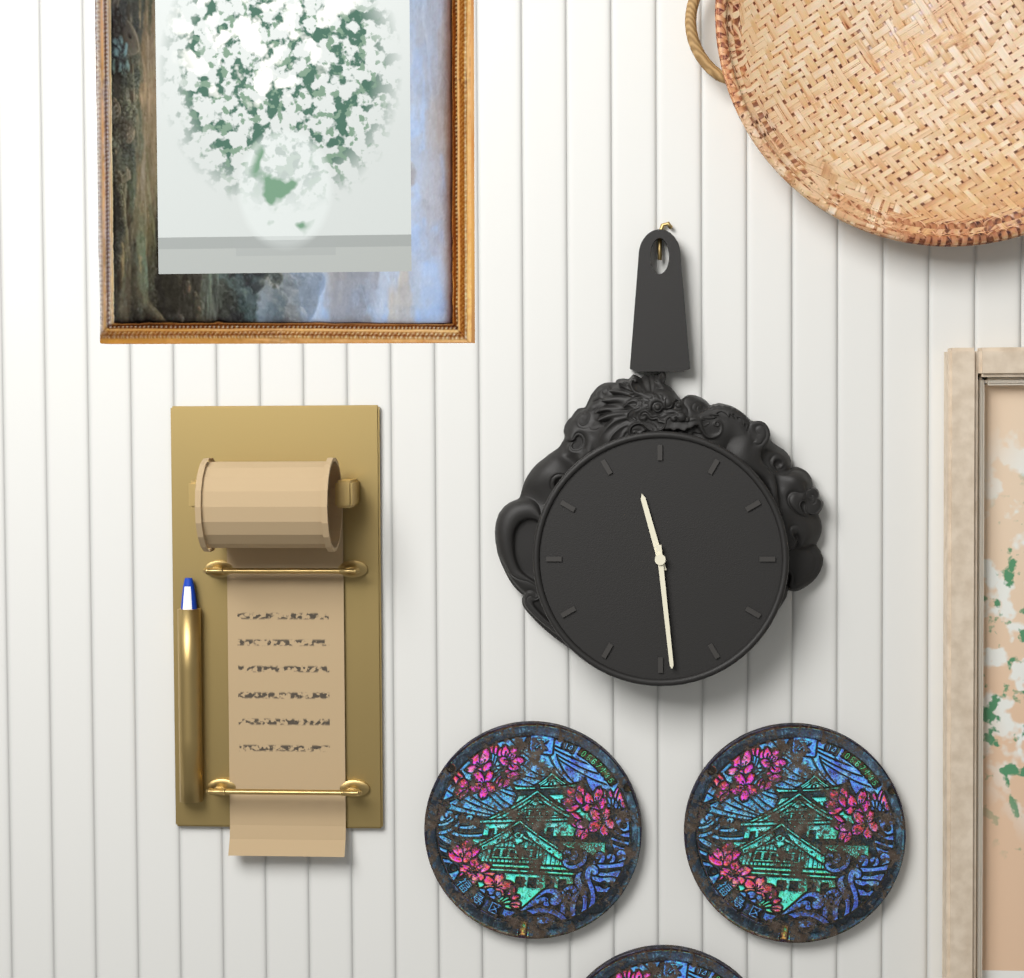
11:29
